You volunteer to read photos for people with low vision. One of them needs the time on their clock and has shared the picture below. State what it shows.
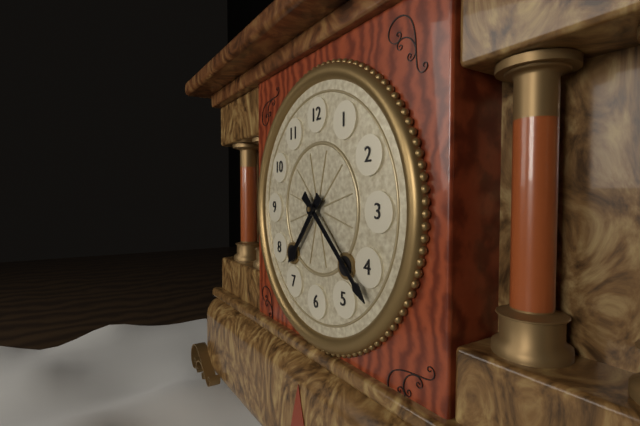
7:22
